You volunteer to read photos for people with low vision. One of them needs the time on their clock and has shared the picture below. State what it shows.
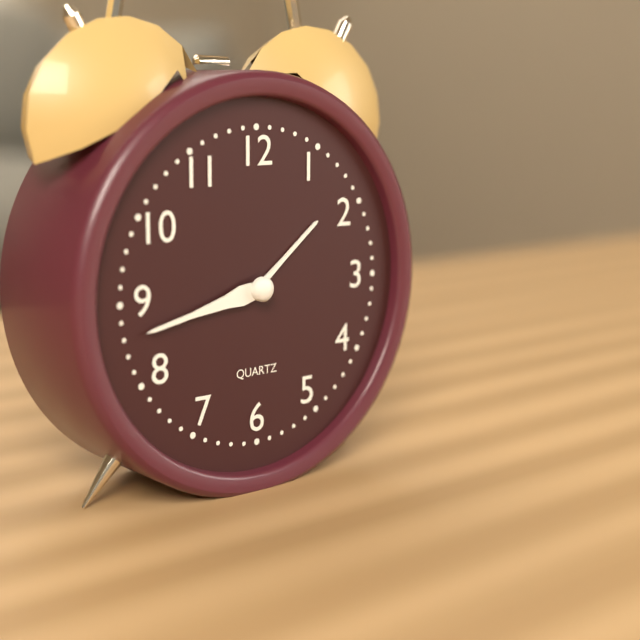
1:43
